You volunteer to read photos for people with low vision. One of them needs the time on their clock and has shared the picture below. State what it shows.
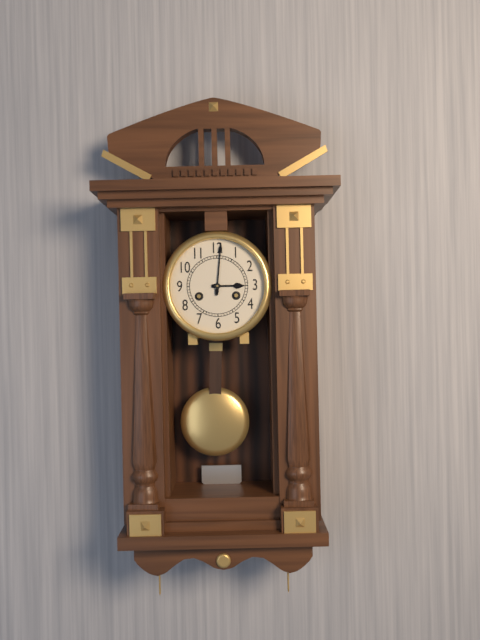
3:01
